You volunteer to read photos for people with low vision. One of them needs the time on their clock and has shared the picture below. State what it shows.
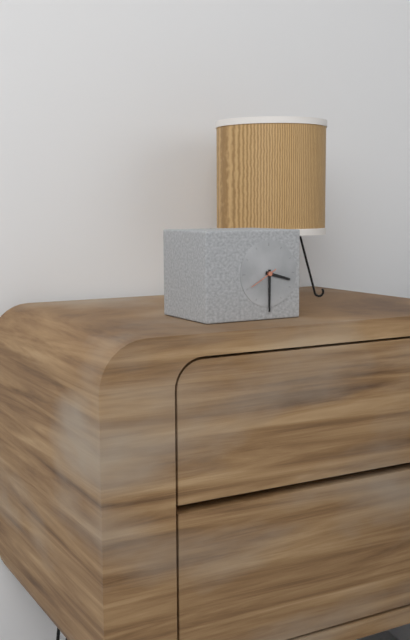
3:30
